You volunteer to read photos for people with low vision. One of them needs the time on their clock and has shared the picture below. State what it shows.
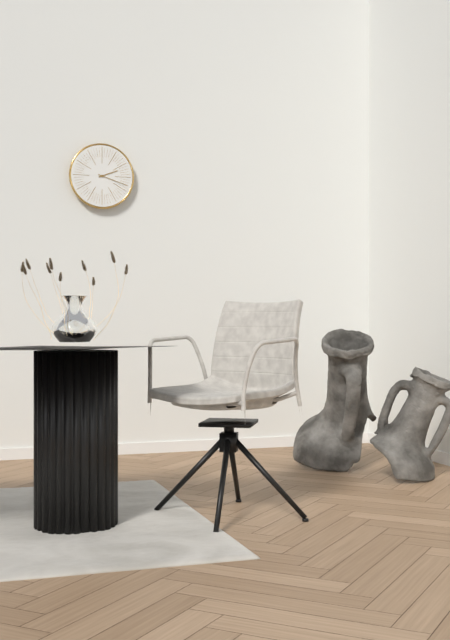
2:18
